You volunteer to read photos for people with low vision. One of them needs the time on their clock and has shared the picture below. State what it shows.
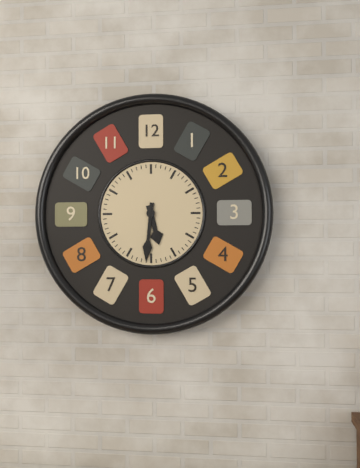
5:31
